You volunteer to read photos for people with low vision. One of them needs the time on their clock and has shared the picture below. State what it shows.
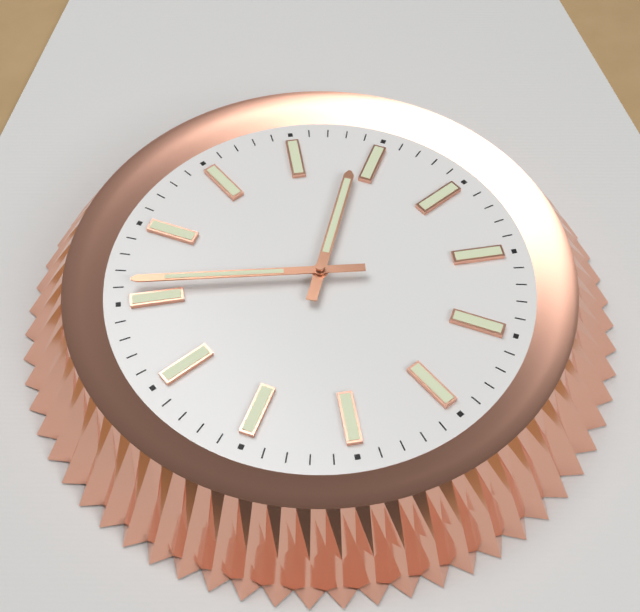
12:46
